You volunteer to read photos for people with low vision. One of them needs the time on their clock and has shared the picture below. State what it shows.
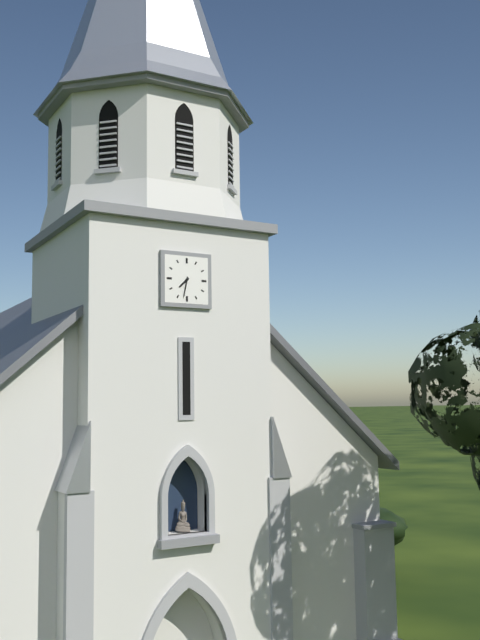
7:32
